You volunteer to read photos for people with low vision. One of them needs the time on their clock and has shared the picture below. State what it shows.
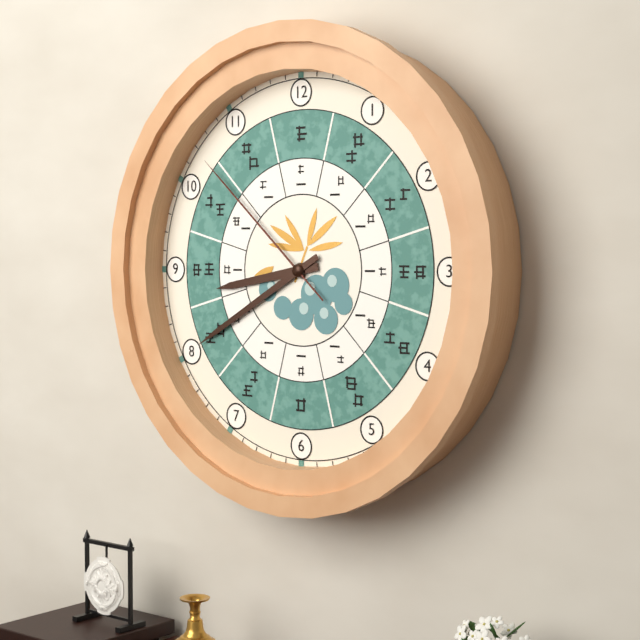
8:40:52
